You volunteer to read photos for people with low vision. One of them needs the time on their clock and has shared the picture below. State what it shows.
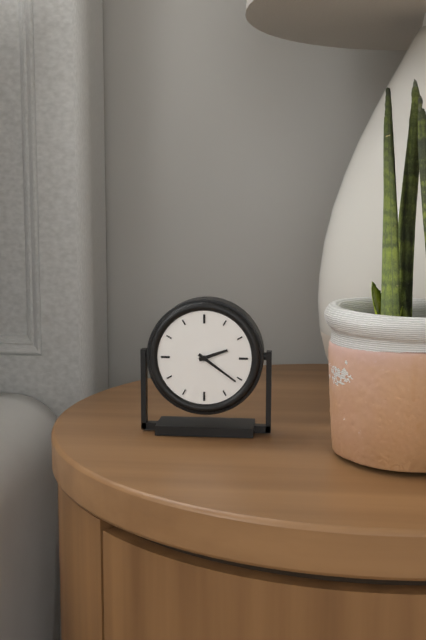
2:21
